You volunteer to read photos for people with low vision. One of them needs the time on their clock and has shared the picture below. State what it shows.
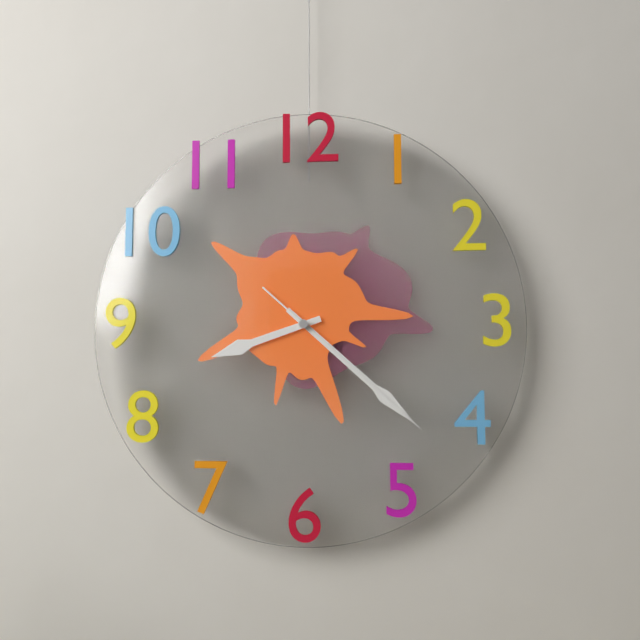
8:22:22
